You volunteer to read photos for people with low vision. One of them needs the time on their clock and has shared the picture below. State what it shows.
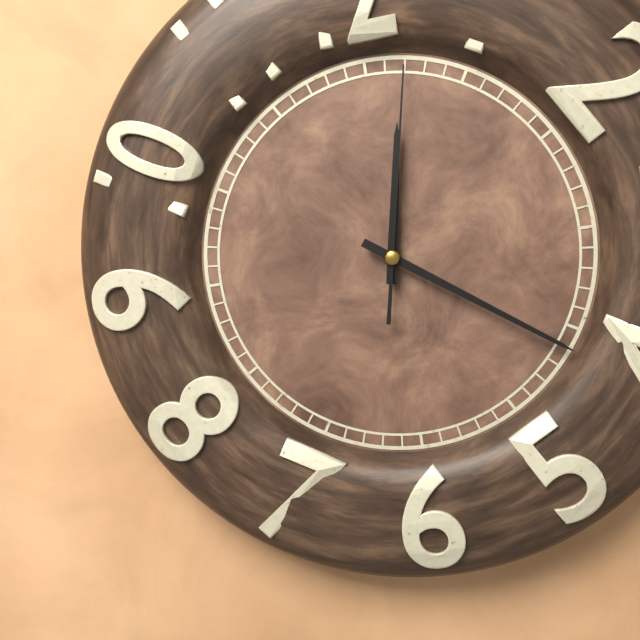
12:21:02
